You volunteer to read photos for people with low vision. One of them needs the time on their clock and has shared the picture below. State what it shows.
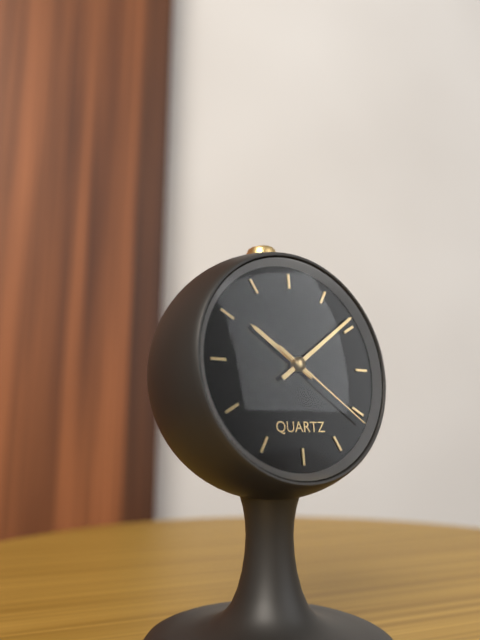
10:09:21
